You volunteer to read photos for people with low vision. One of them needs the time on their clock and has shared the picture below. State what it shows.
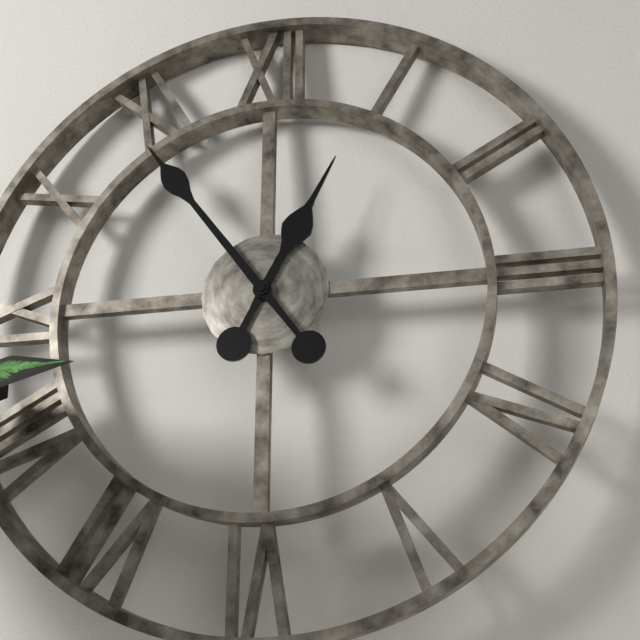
12:54
